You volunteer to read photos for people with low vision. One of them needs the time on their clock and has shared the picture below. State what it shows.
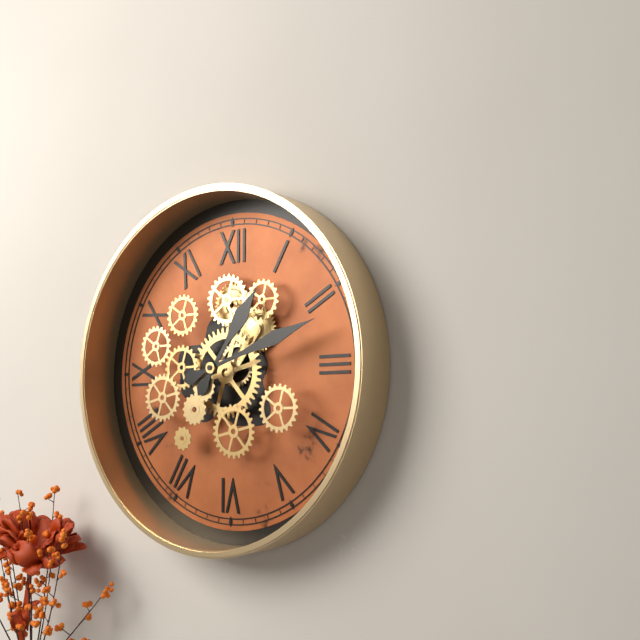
1:12
